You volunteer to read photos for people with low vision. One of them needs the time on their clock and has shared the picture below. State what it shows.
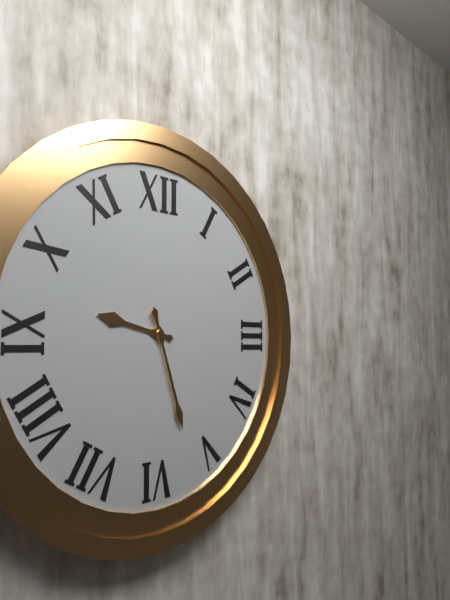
9:27
